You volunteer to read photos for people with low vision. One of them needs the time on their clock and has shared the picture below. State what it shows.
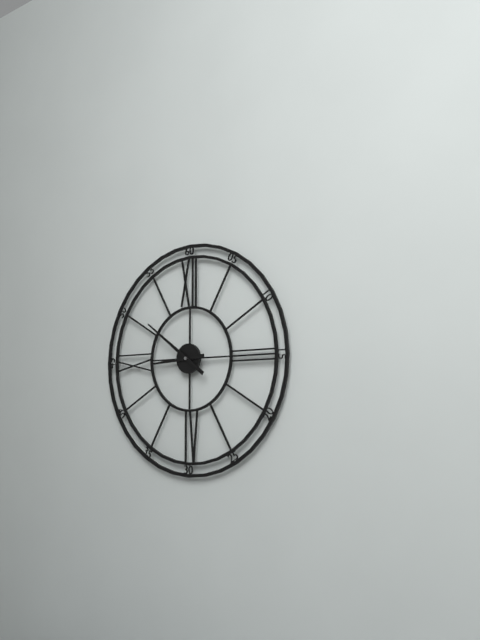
8:51
